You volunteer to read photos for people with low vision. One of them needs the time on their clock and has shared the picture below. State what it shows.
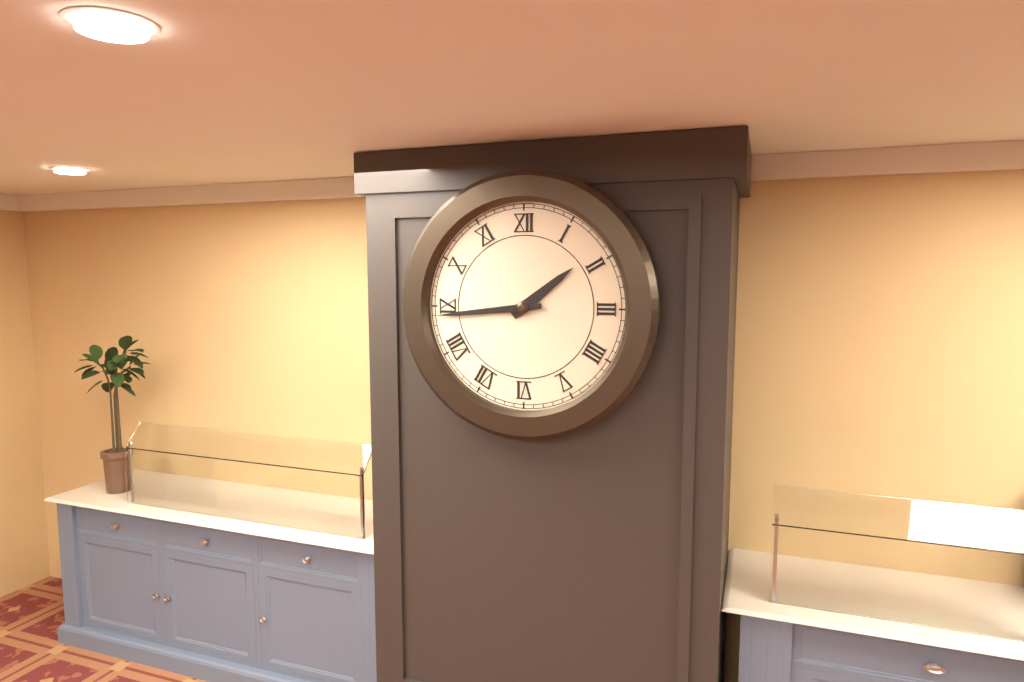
1:44
